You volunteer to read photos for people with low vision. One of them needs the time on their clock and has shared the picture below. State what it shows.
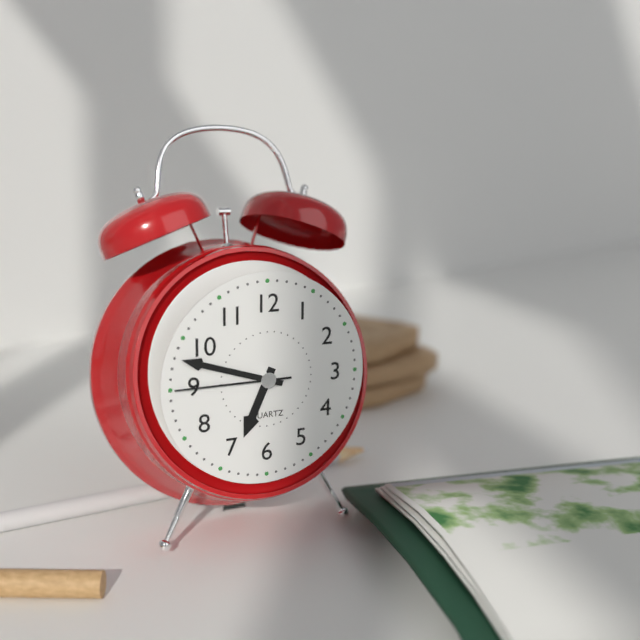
6:48:45
